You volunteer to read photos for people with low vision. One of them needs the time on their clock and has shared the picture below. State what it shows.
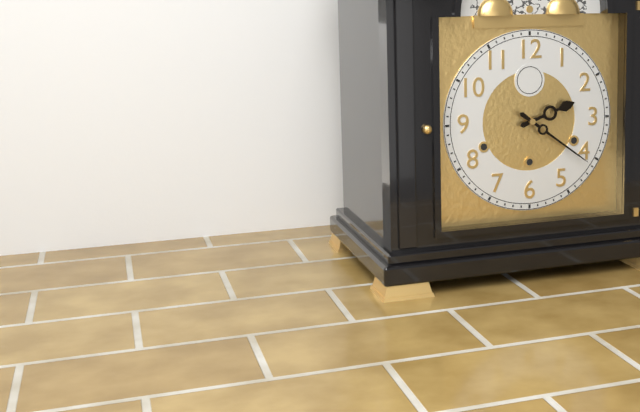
2:21
